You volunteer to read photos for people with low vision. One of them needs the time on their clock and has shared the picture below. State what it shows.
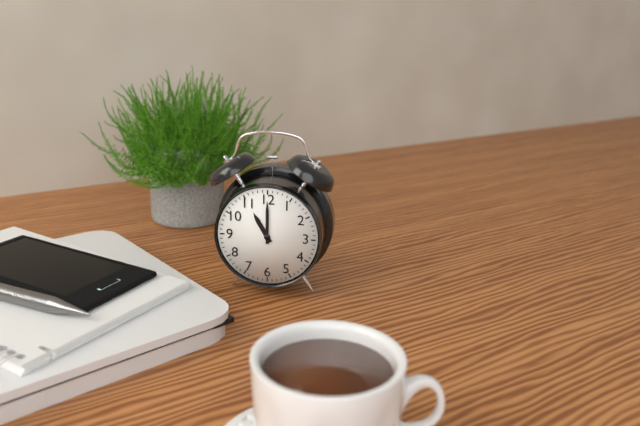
11:00
